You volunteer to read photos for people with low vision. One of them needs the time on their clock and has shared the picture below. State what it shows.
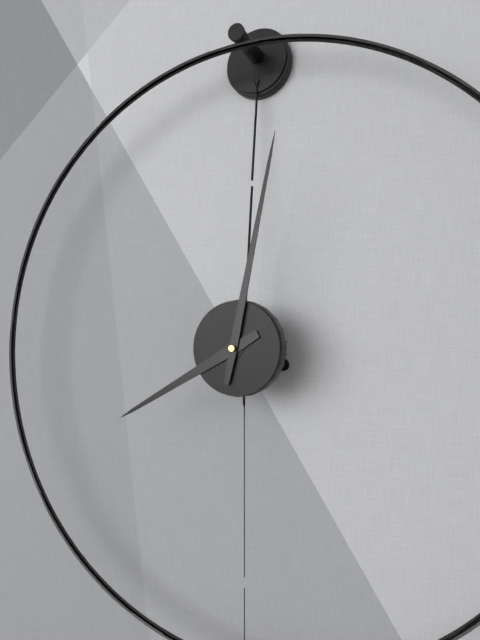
8:02
